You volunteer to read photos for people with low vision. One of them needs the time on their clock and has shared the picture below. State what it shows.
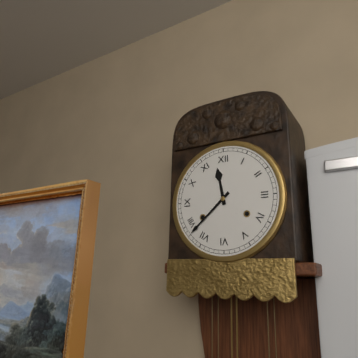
11:38
